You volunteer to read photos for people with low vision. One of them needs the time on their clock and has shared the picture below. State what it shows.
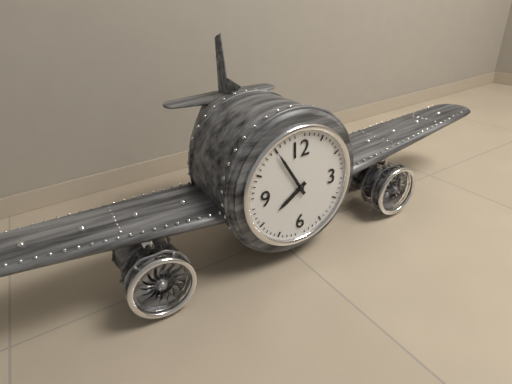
7:55
